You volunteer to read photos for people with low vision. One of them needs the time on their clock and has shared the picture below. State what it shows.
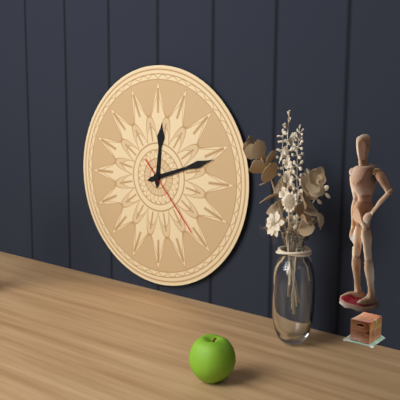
12:12:23
